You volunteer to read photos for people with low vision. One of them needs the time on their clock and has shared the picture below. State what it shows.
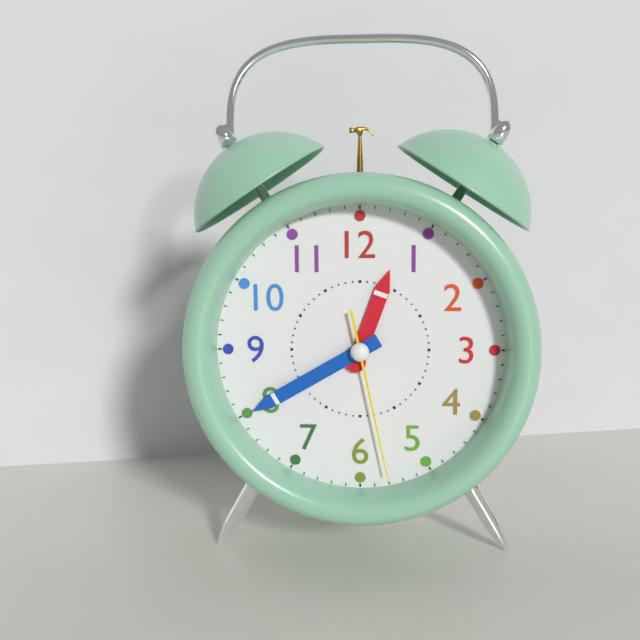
12:40:28
